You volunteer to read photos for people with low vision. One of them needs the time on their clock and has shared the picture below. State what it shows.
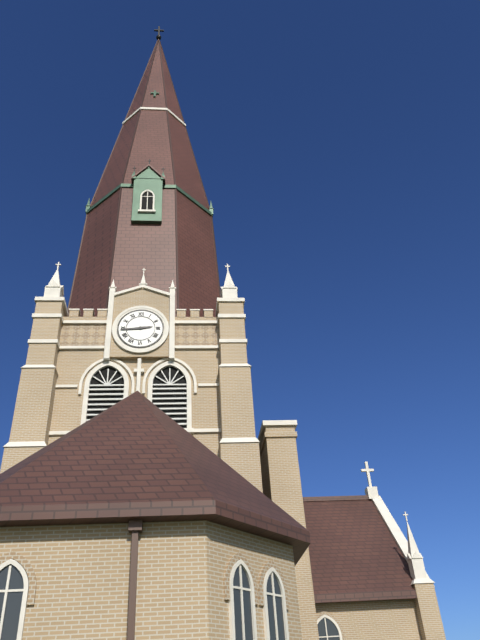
2:44
